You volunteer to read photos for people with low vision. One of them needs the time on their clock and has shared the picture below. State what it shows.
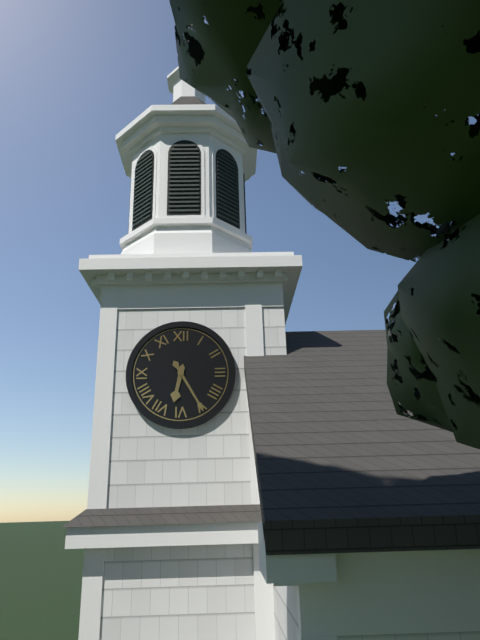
6:25
